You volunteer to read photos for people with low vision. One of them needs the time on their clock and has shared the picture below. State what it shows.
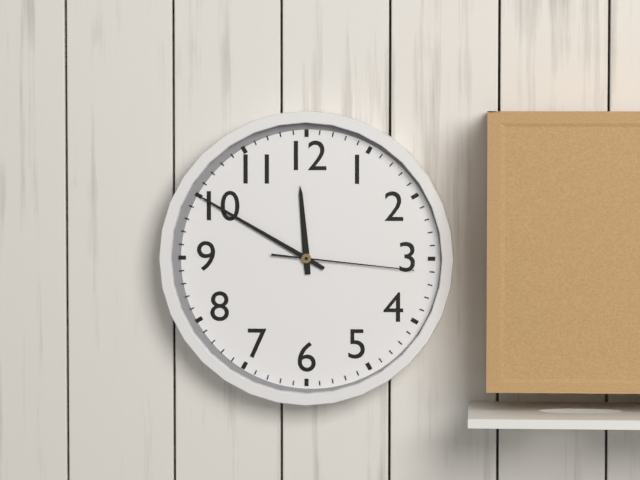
11:50:16
